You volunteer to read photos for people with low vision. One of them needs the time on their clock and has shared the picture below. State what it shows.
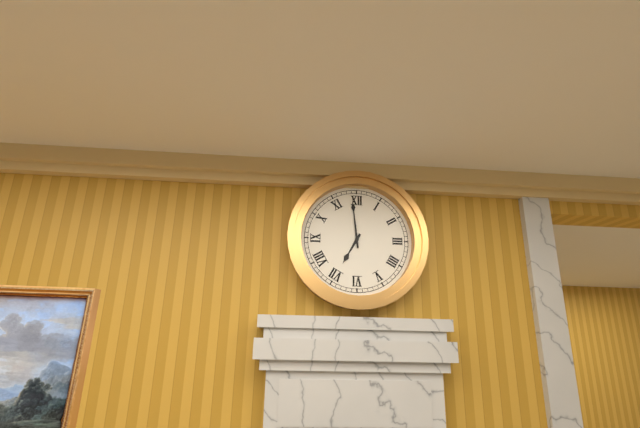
6:59
